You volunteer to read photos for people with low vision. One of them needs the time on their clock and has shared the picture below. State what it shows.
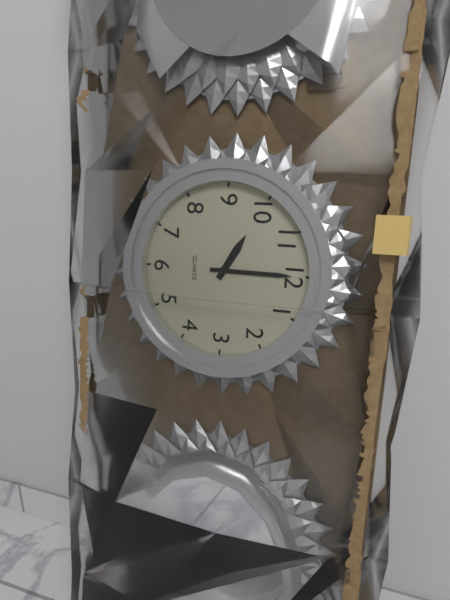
10:00
